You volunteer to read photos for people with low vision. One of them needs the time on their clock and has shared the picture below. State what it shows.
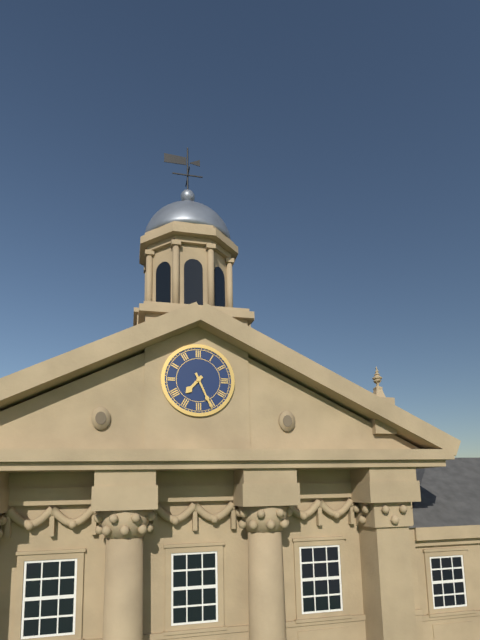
7:26
